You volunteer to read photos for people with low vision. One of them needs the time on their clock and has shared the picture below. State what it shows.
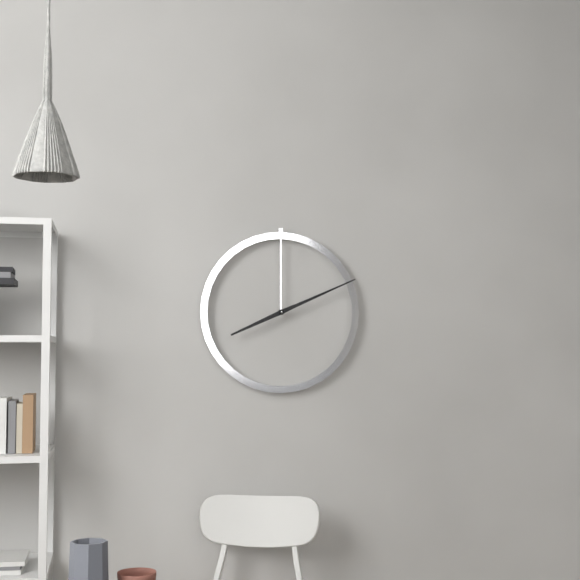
8:11
